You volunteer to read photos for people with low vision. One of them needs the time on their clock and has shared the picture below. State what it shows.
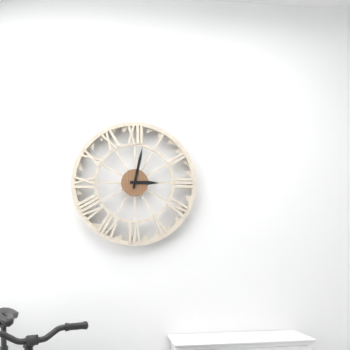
3:02
